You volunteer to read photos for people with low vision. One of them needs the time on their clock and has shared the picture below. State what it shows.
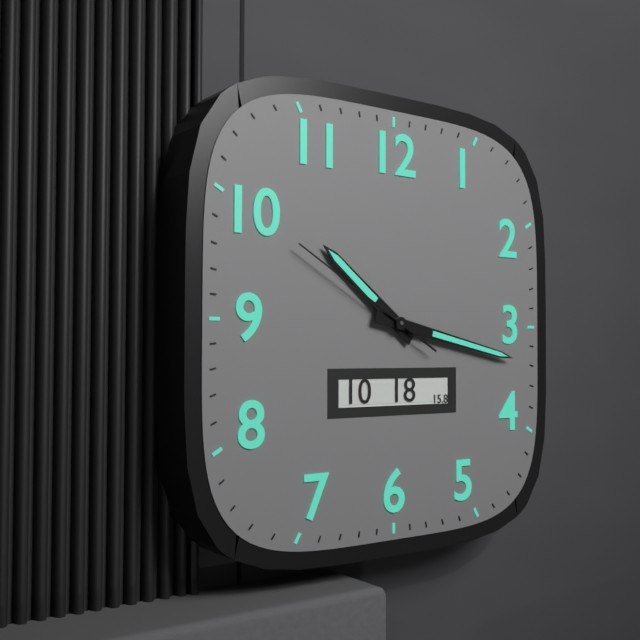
10:17:50
